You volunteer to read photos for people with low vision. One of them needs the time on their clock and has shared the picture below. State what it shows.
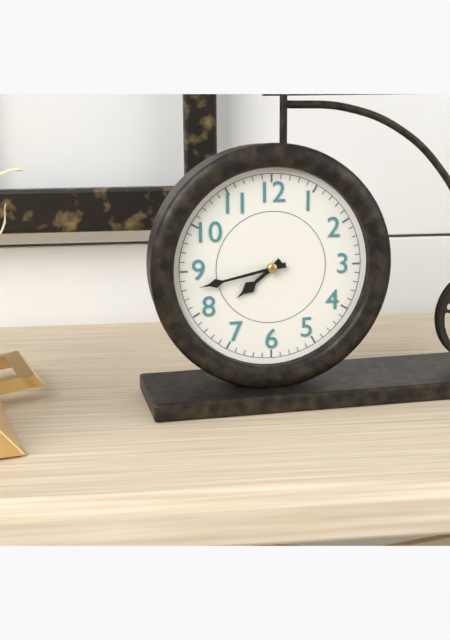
7:43
